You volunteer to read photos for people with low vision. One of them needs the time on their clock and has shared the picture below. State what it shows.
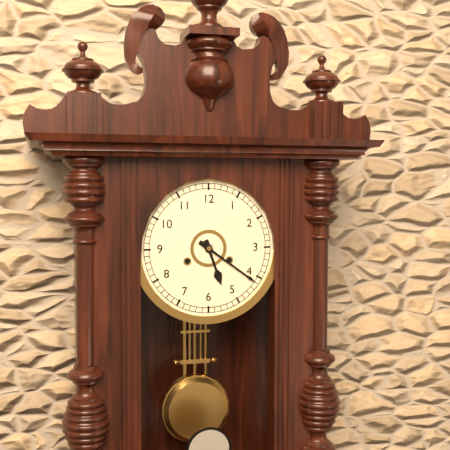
5:21
